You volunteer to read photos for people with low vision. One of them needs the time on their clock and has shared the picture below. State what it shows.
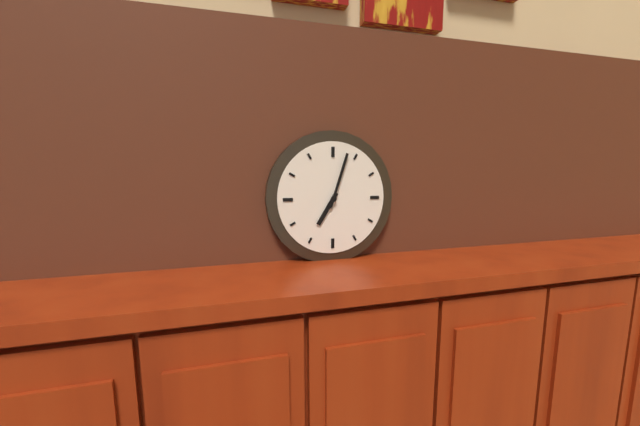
7:03
